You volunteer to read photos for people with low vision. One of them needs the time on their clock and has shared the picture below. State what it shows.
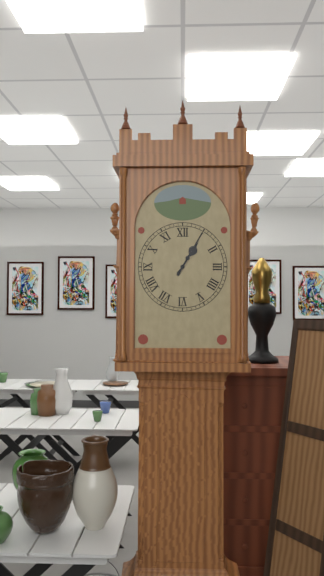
1:05
